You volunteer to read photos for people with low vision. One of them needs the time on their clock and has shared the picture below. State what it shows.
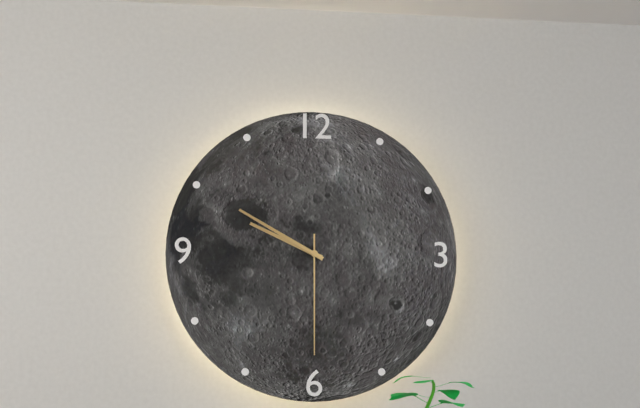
9:50:30
